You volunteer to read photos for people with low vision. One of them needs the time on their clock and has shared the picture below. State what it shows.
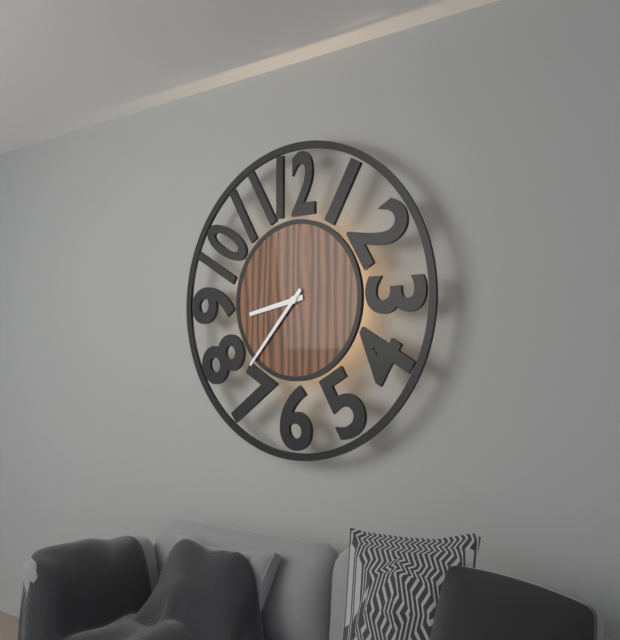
8:37
